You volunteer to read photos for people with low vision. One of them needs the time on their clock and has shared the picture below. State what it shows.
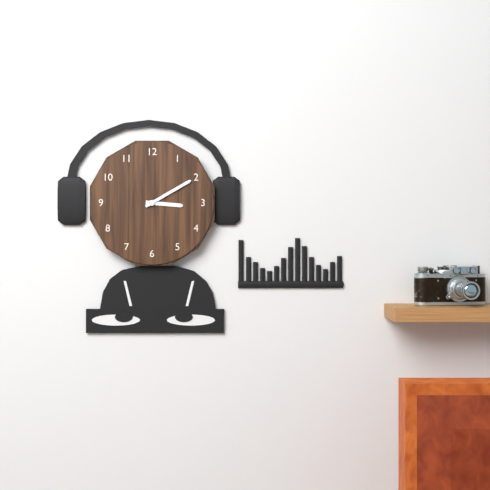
3:10
